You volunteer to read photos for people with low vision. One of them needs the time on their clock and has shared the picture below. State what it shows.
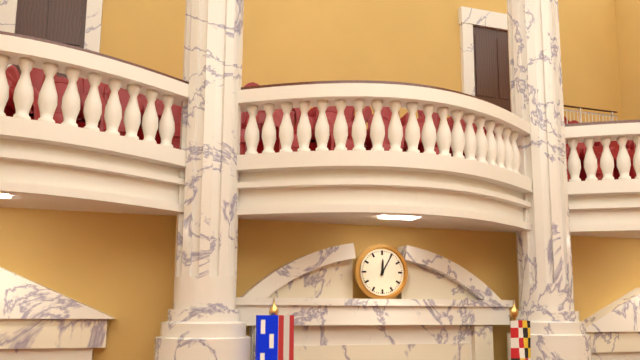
12:05
